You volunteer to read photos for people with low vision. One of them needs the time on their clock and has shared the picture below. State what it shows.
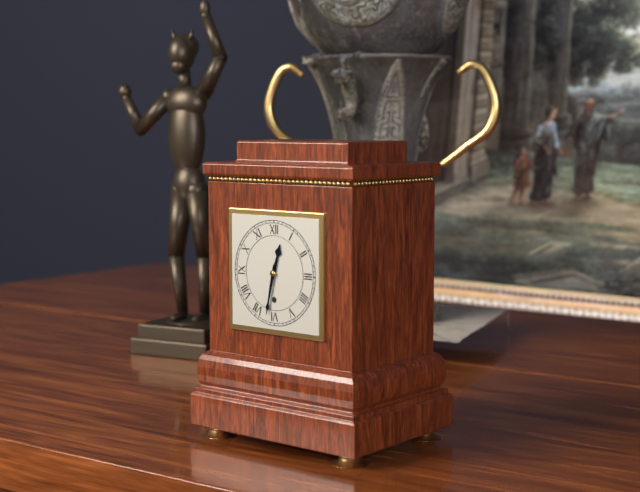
12:32
